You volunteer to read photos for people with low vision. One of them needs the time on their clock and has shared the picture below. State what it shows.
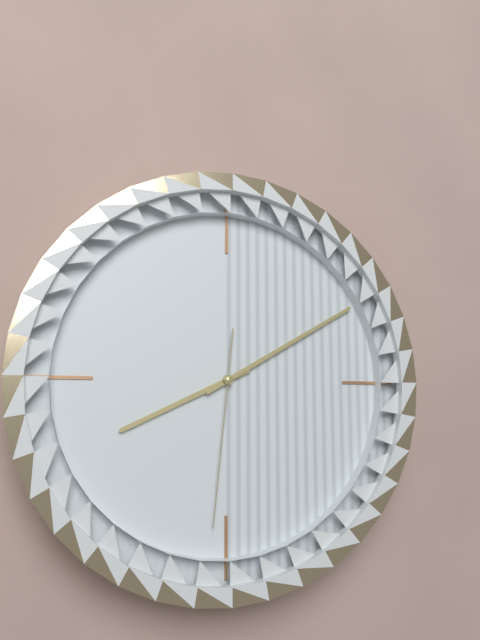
8:10:31
